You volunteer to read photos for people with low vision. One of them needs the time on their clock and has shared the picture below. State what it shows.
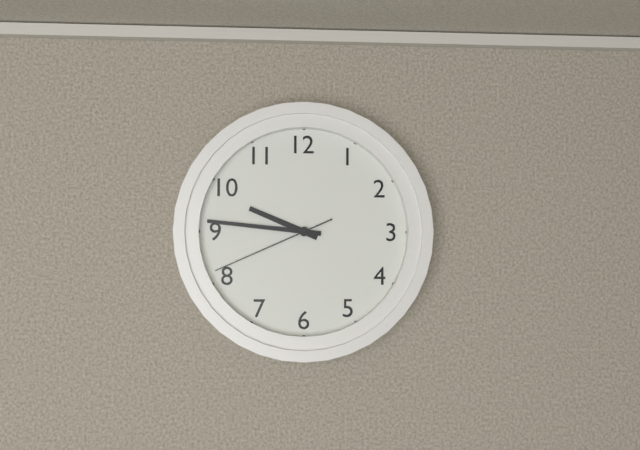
9:46:41
